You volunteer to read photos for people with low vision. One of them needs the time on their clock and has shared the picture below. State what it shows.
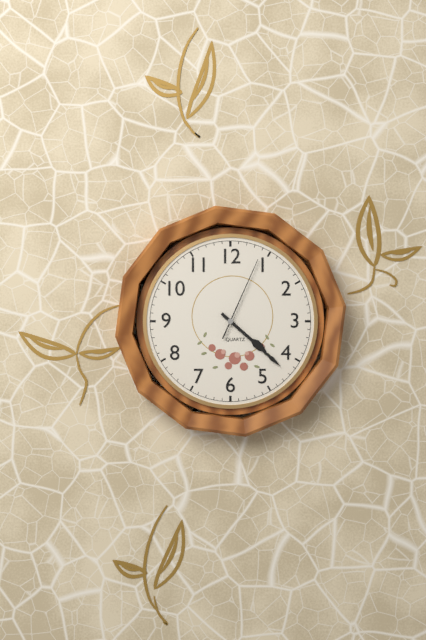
4:22:04
